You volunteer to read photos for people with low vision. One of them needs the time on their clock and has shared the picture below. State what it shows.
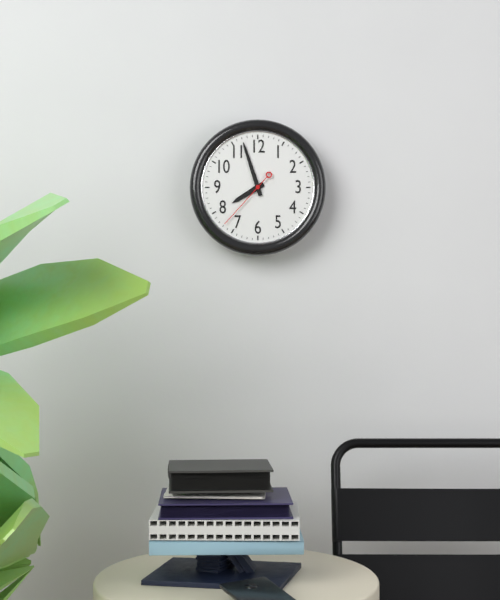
7:57:37
